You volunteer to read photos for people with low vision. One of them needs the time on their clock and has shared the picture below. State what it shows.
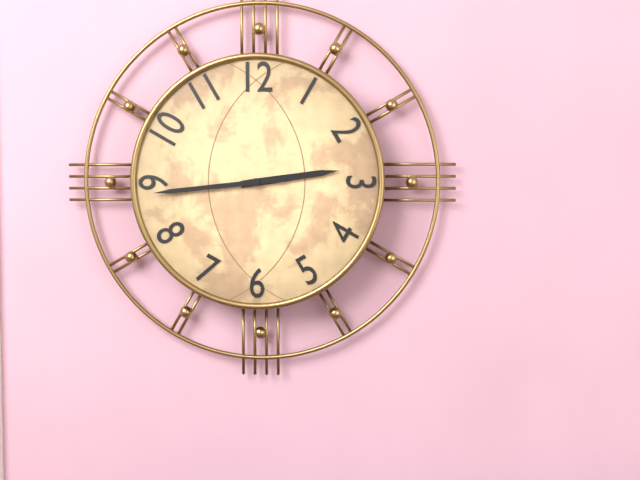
2:44
